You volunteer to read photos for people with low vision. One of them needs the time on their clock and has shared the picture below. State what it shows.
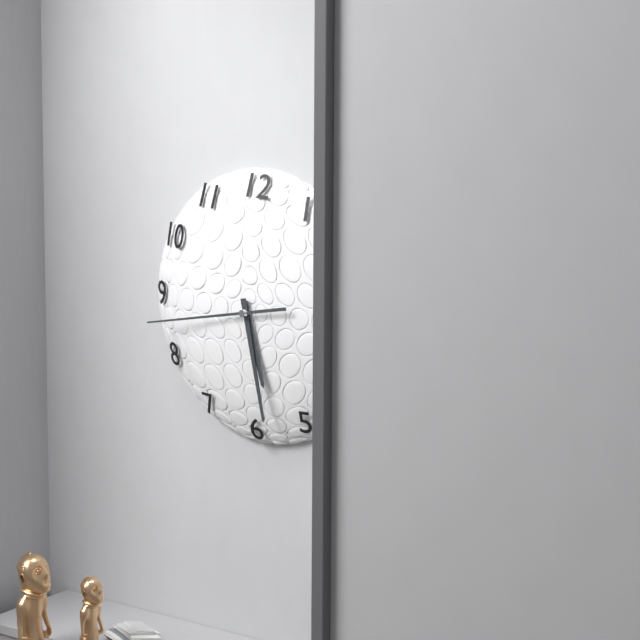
5:28:43
